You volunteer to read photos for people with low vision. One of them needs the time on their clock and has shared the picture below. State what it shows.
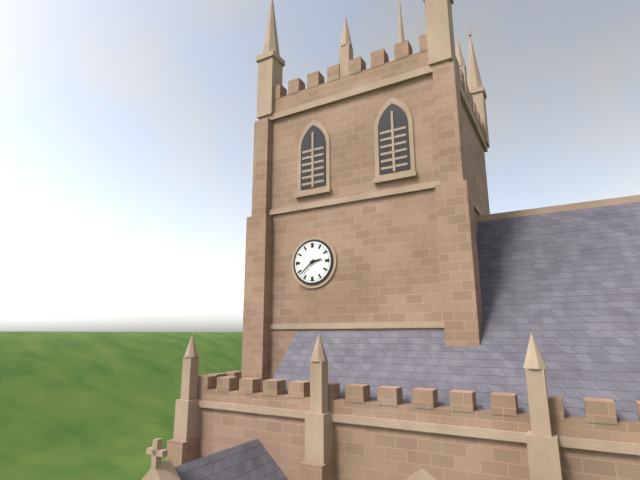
2:38
